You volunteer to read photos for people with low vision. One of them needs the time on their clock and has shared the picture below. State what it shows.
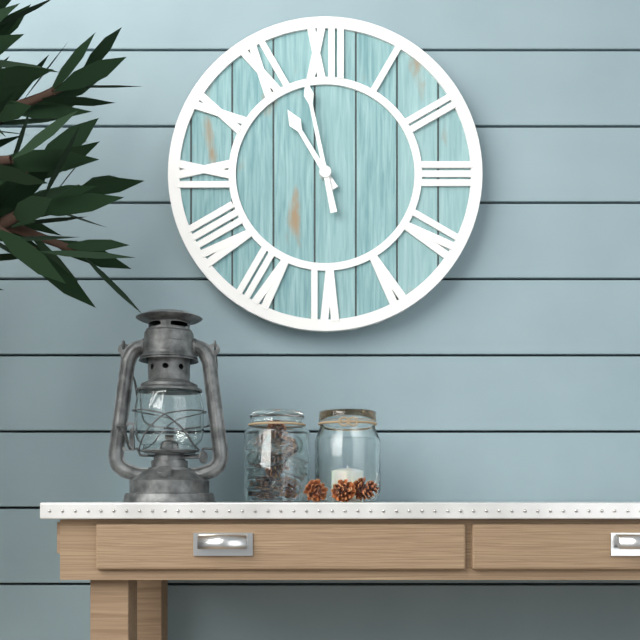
10:58
